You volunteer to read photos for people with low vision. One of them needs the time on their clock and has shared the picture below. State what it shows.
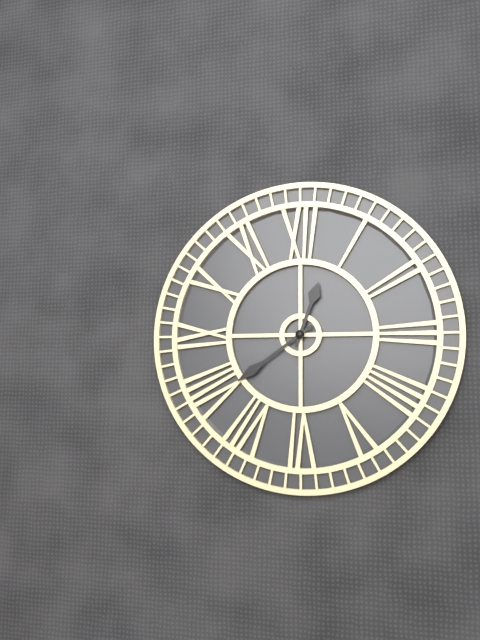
12:39
